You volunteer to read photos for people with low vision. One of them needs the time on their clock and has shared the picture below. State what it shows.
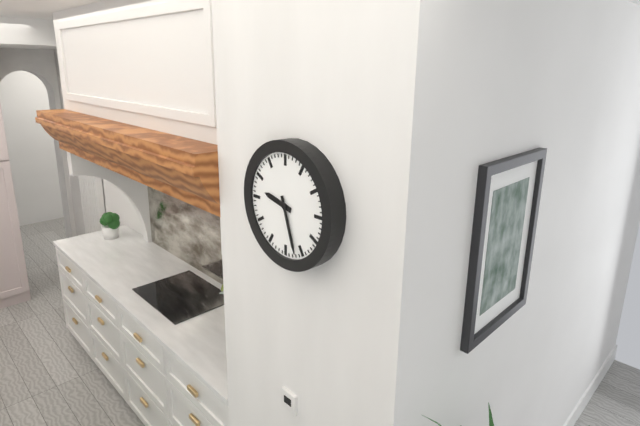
9:27
